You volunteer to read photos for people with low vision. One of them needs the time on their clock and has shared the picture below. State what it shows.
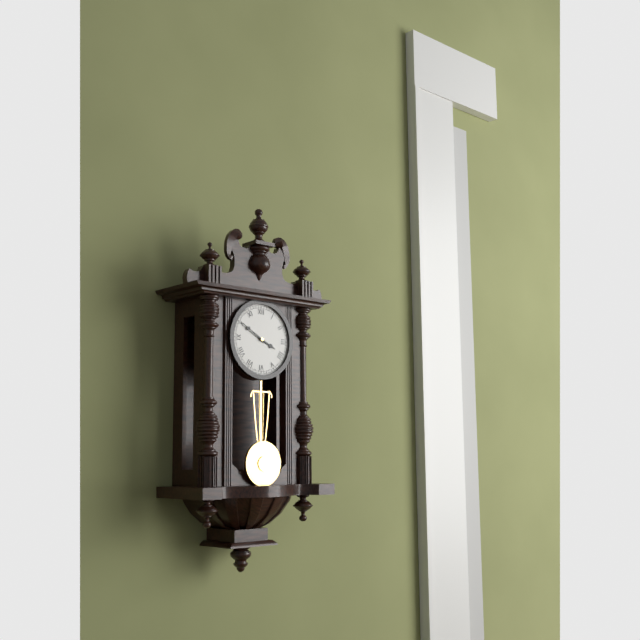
3:50
